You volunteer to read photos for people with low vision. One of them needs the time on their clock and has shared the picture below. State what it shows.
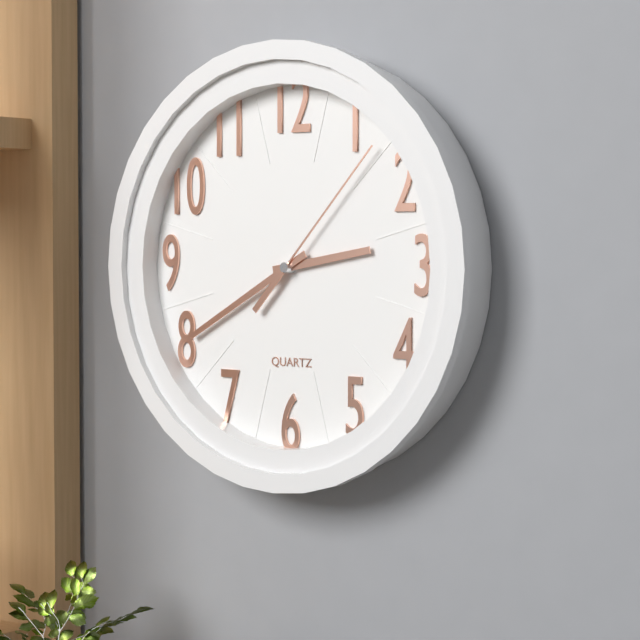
2:40:07
